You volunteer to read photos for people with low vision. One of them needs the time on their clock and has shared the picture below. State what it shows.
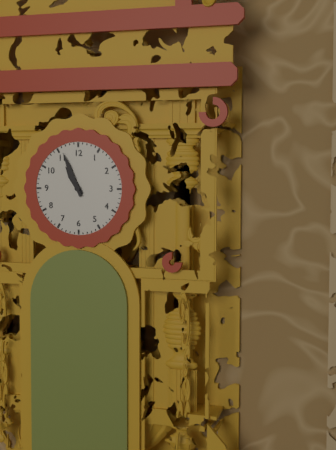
10:56
